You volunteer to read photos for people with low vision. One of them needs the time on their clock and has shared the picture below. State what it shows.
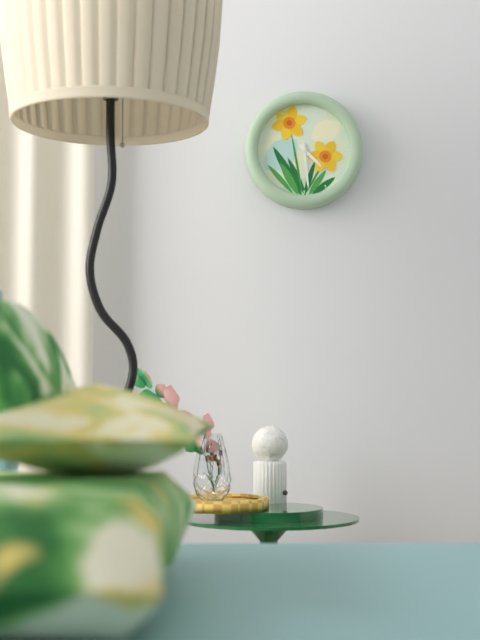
4:29
